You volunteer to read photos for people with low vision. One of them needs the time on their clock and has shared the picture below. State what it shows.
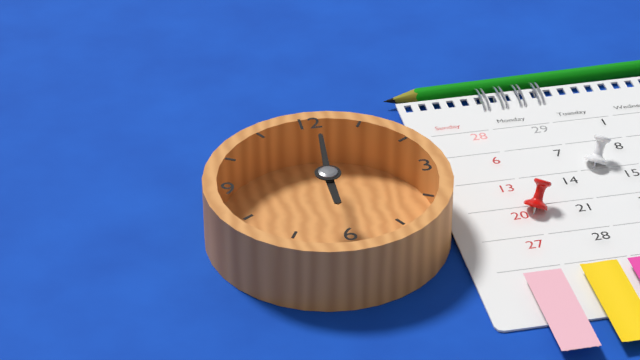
6:01
